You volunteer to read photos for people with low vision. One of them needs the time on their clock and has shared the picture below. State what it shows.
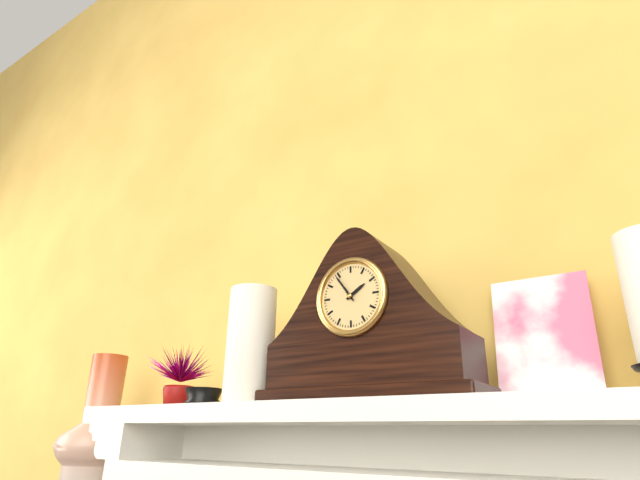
1:54
